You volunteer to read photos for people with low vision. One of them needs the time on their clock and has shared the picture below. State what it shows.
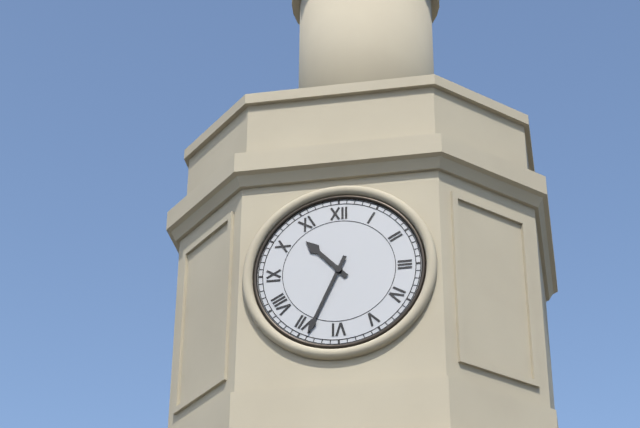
10:34
